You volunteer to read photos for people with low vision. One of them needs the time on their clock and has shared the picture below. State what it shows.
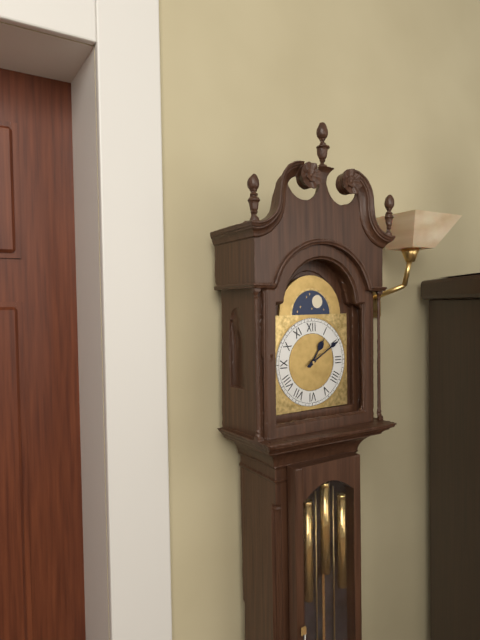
1:10
